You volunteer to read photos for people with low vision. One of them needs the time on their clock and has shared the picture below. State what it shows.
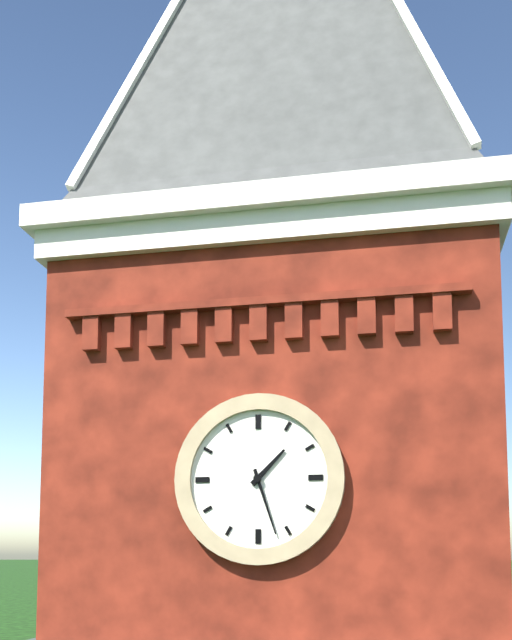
1:27
